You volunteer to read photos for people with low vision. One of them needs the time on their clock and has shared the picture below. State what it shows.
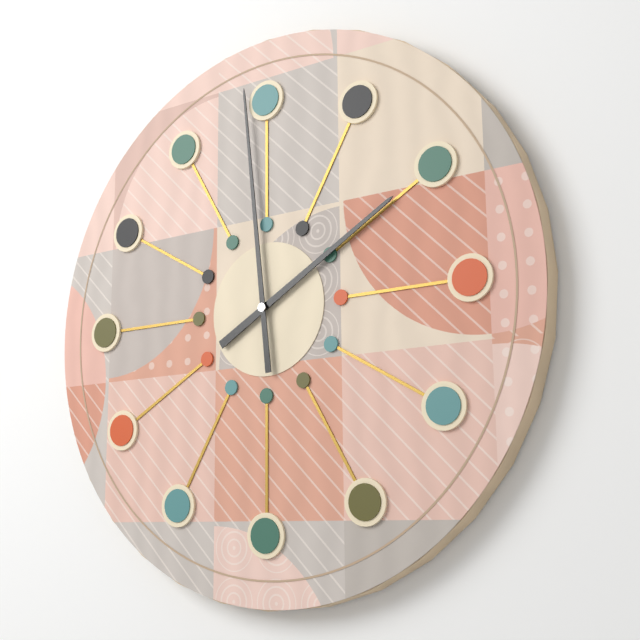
1:59
